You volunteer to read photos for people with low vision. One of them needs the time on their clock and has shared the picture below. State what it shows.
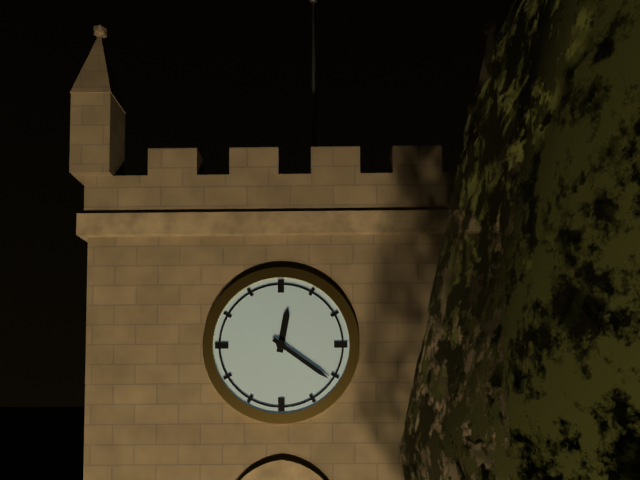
12:21
